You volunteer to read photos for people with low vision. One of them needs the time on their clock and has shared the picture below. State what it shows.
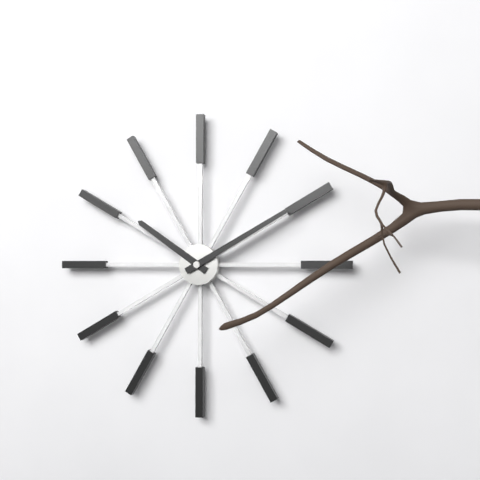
10:10
